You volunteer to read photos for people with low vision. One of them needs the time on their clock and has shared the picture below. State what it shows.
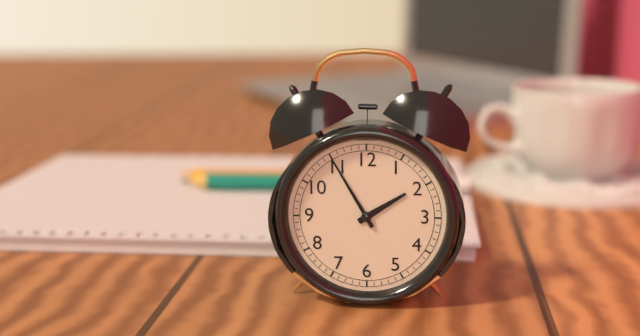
1:55
